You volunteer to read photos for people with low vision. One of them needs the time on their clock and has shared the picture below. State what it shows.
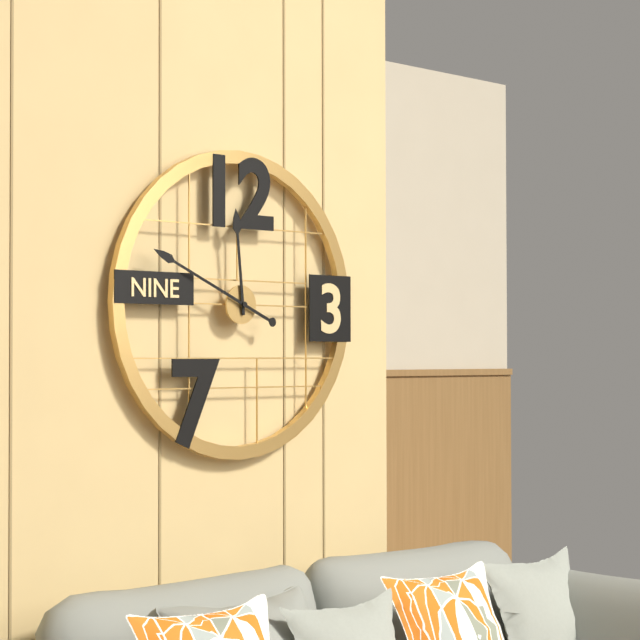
11:49
